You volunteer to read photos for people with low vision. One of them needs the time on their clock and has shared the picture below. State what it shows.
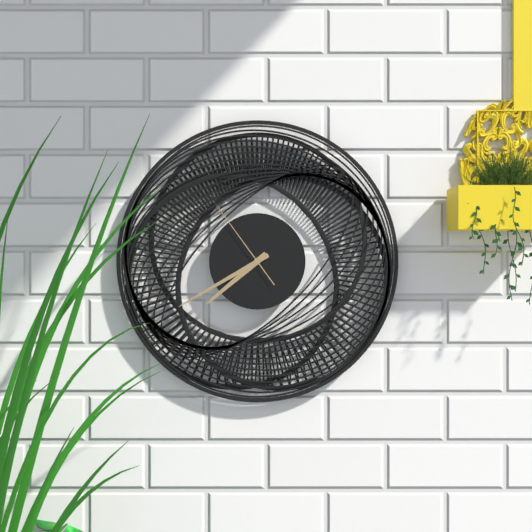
7:40:54
